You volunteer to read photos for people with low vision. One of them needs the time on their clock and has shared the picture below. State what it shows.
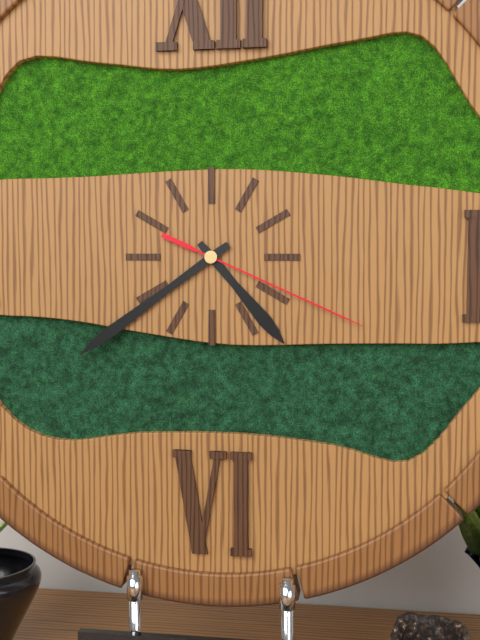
4:39:19
